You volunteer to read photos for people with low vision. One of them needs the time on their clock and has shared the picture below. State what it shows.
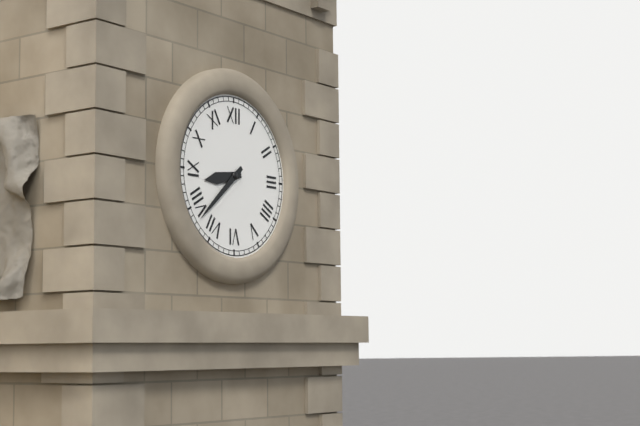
8:38
